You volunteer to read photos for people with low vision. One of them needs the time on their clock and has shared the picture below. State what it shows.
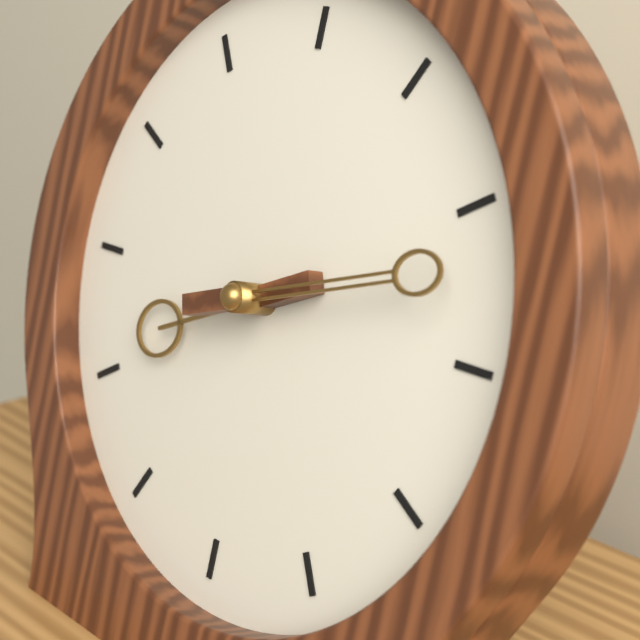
8:12
